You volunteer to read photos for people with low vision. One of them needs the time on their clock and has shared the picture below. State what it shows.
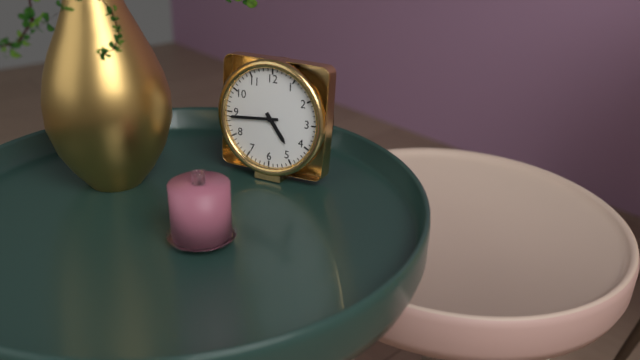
4:44
